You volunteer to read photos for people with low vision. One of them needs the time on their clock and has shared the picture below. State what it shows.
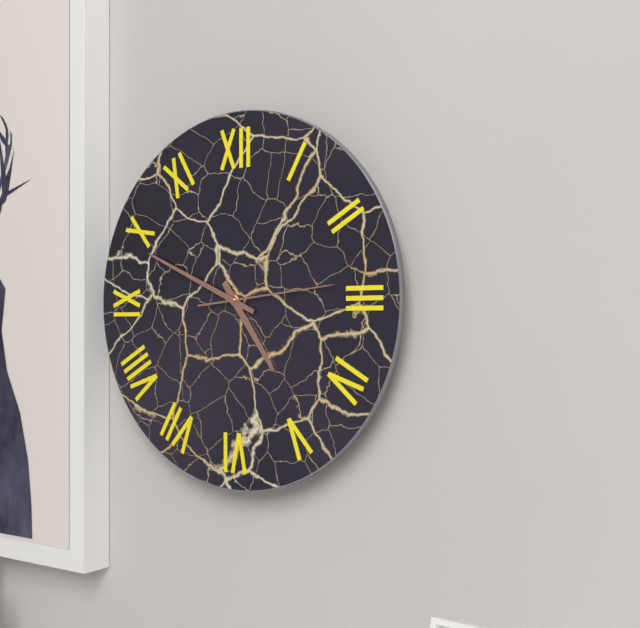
4:49:14
